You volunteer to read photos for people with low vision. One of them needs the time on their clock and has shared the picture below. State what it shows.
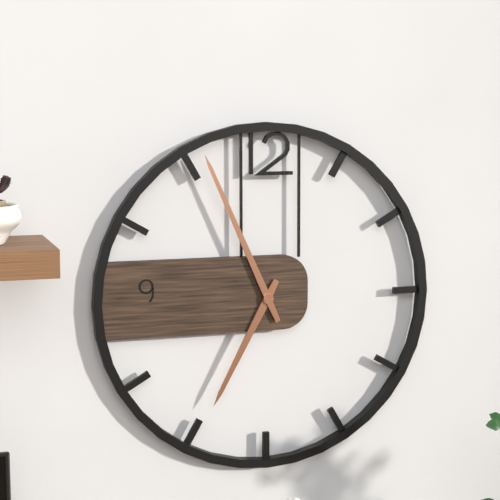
6:56
